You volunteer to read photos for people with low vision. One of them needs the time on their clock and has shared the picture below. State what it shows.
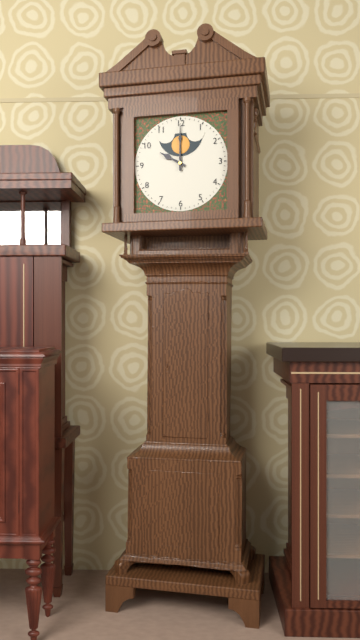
10:00
